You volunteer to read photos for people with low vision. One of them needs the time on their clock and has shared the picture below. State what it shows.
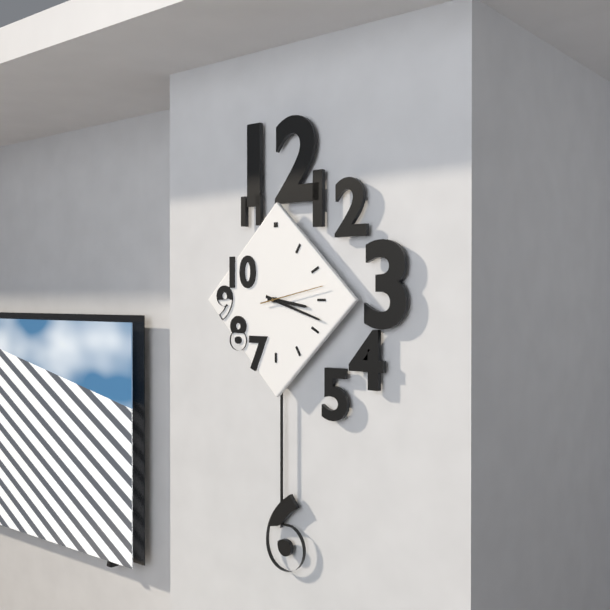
3:18
